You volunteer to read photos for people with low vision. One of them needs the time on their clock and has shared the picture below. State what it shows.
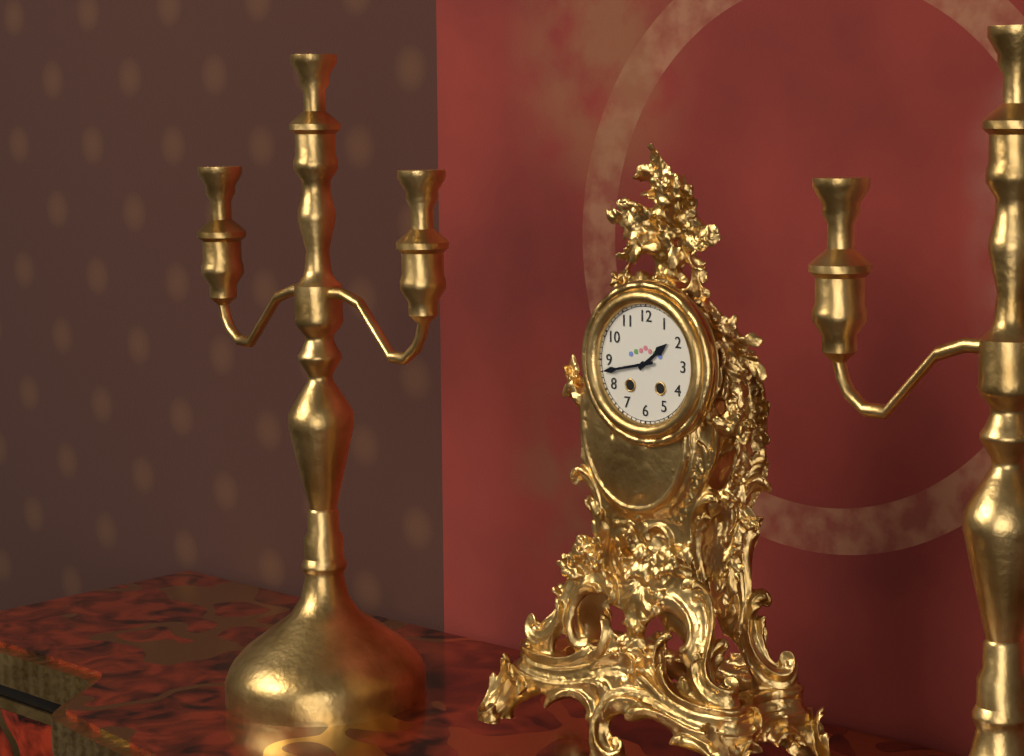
1:43
